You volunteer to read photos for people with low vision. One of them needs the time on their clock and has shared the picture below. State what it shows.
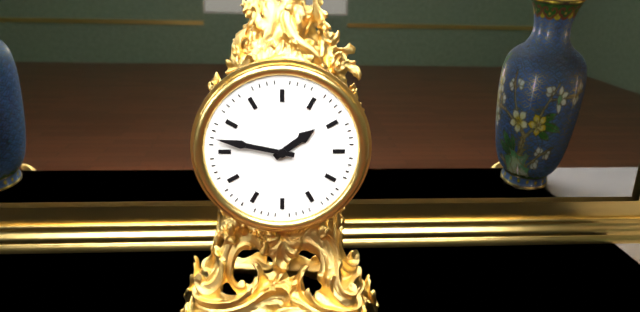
1:47
